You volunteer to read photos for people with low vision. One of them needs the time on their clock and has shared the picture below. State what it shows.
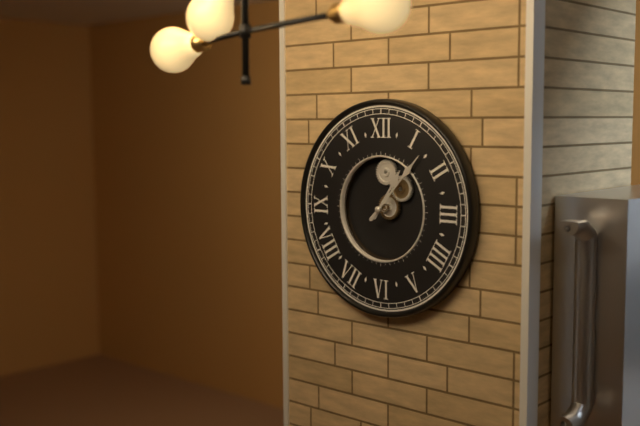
1:07
